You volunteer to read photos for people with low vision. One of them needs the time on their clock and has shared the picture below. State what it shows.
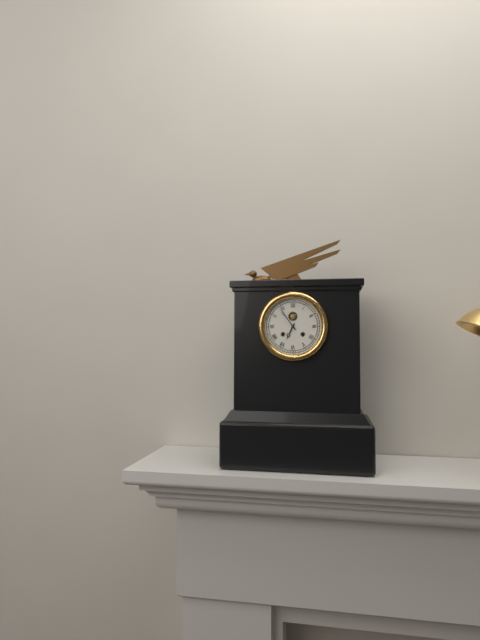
6:54
